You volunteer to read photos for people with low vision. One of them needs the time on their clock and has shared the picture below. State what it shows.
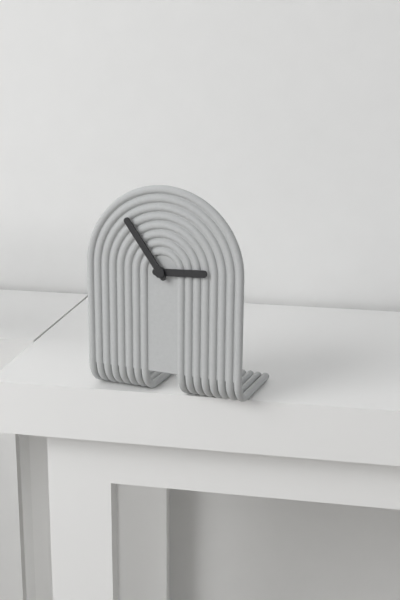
2:54
